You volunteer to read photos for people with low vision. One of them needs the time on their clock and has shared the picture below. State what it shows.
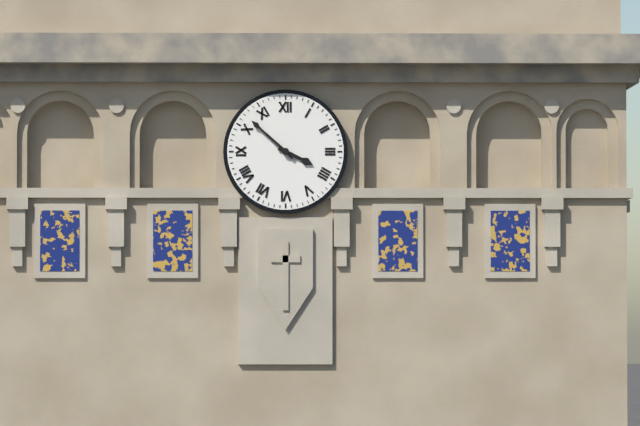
3:52
